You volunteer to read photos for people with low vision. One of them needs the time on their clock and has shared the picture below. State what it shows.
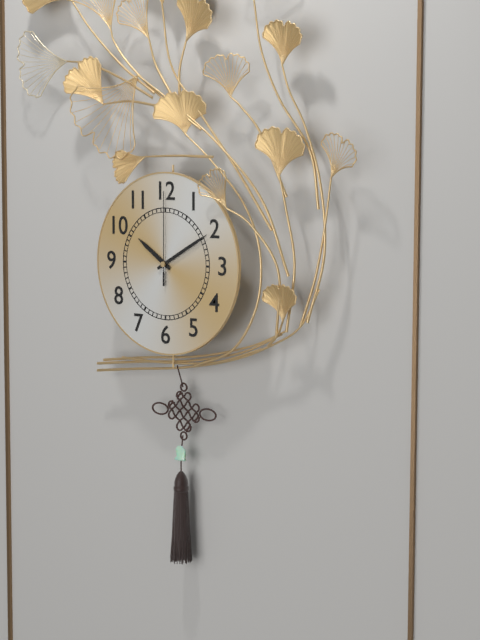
10:10:00
